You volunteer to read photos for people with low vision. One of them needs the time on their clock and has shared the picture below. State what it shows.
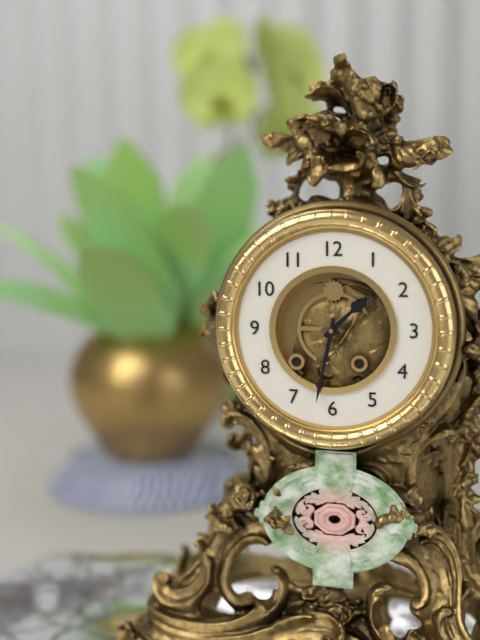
1:32
